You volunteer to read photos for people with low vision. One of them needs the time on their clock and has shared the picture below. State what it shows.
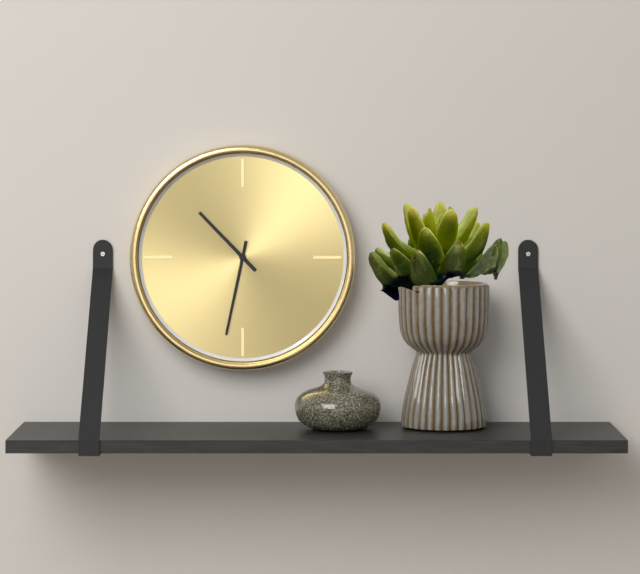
10:32
